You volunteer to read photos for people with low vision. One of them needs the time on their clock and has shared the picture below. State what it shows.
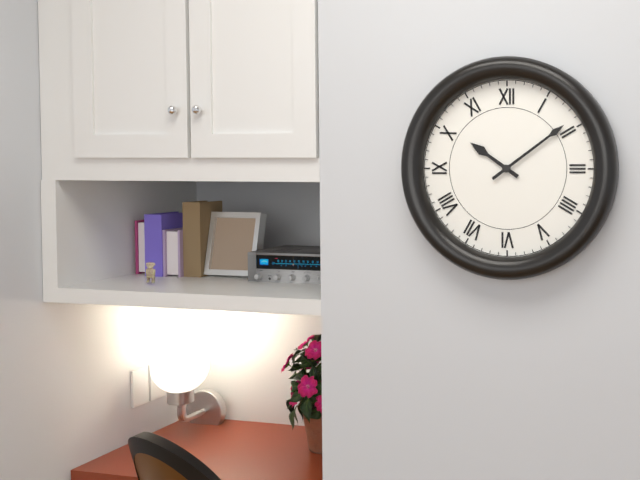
10:09
